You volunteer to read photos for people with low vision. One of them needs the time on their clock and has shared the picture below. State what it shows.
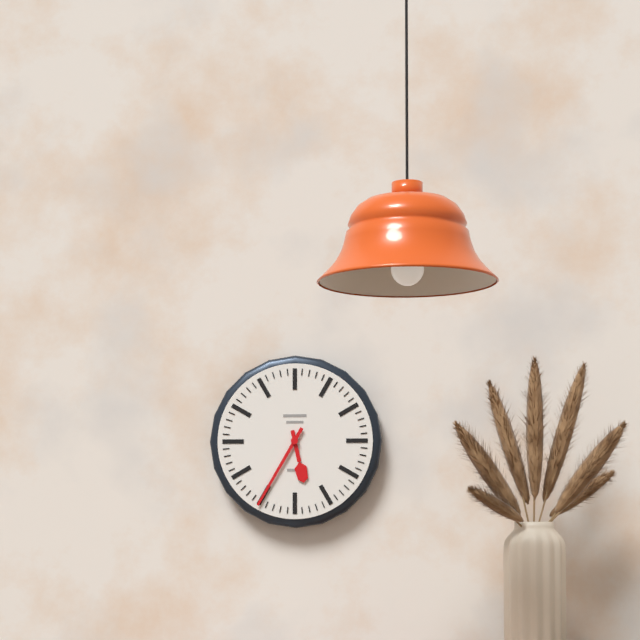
5:35
